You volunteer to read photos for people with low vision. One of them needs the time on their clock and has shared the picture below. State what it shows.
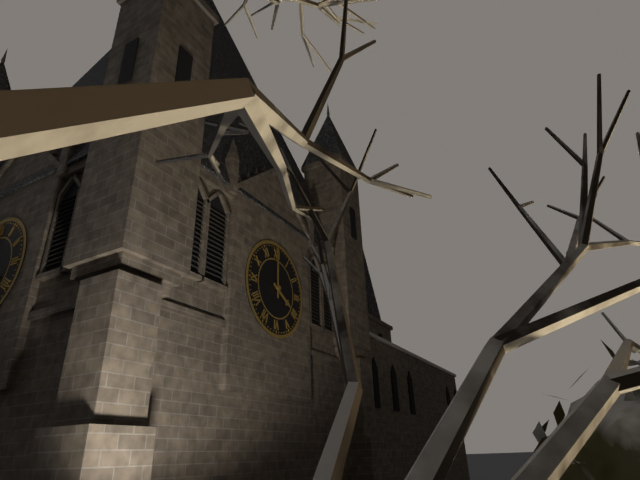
4:00
